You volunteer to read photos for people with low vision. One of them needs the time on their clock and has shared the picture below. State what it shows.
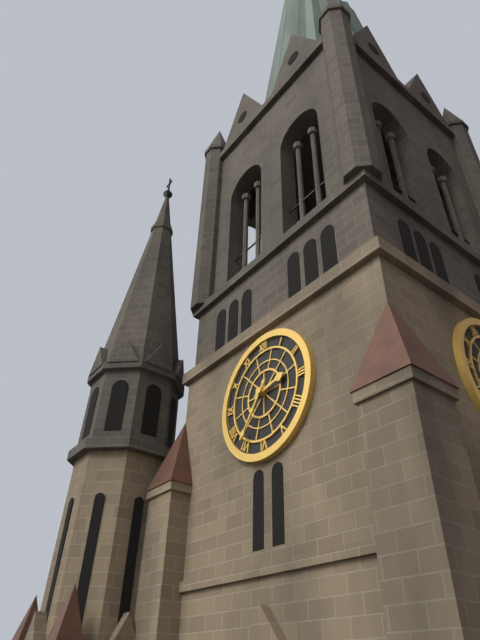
2:36
